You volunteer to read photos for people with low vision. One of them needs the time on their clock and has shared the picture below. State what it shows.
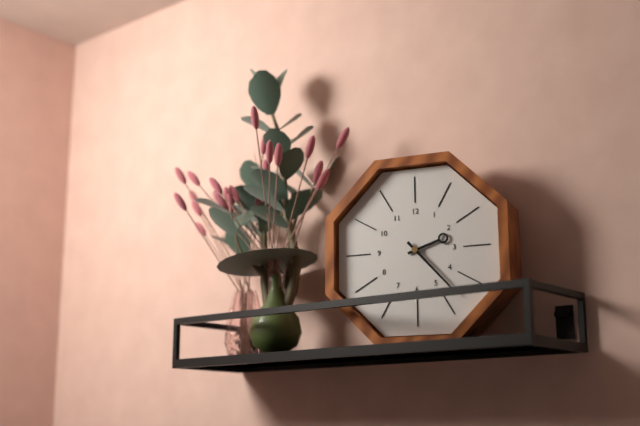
2:23
